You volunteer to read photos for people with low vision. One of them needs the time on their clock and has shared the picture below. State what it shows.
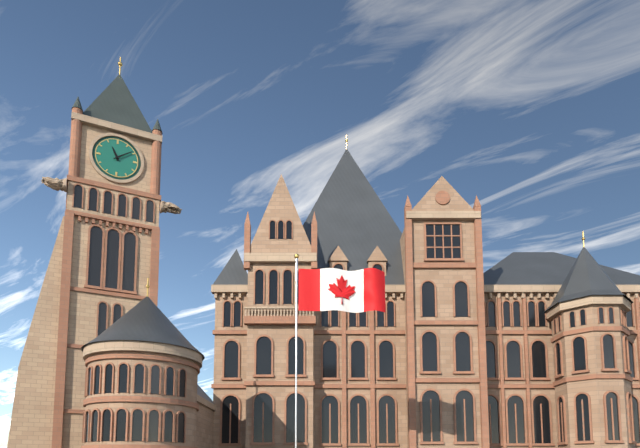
11:09
